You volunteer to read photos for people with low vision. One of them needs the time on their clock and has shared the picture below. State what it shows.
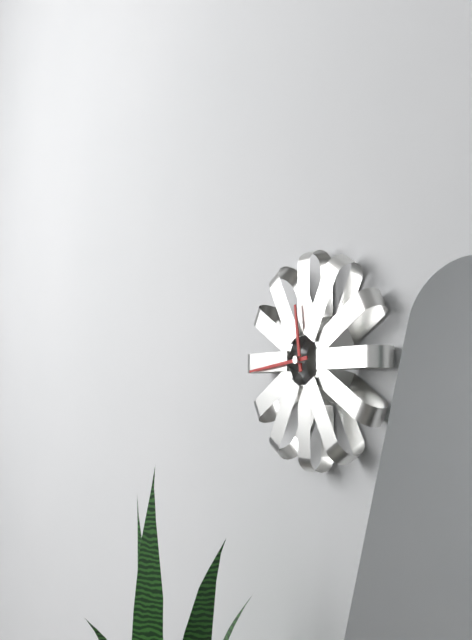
11:44
